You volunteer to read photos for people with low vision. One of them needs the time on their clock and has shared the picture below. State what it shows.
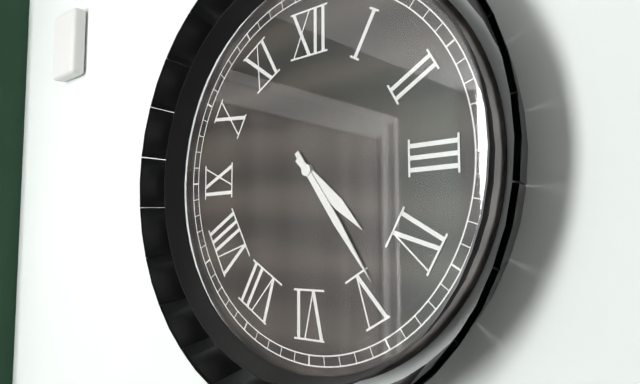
4:24
